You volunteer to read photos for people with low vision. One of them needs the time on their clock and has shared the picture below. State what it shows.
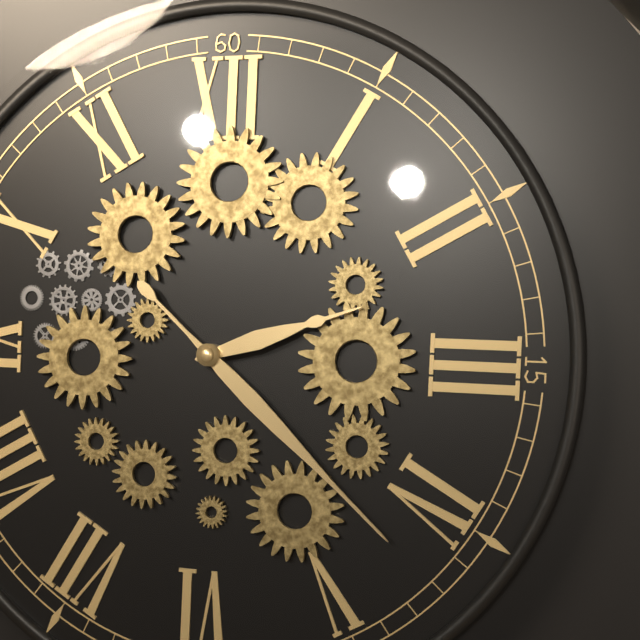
2:22
